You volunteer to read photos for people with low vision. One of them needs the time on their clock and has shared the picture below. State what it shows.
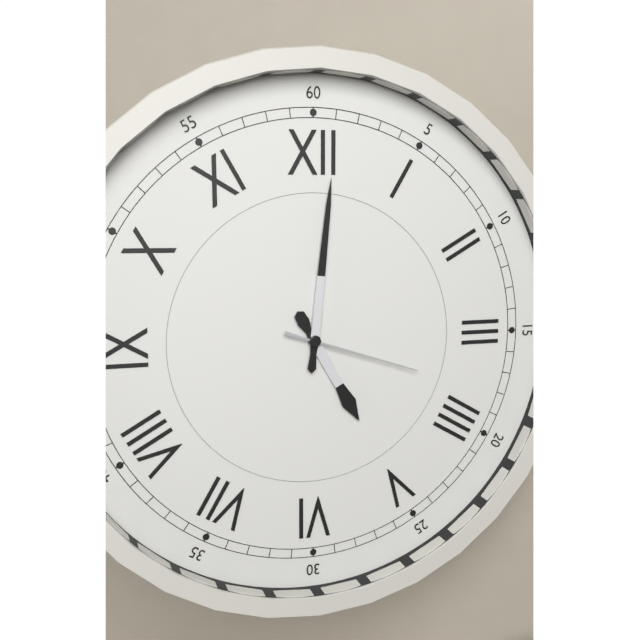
5:01:18
